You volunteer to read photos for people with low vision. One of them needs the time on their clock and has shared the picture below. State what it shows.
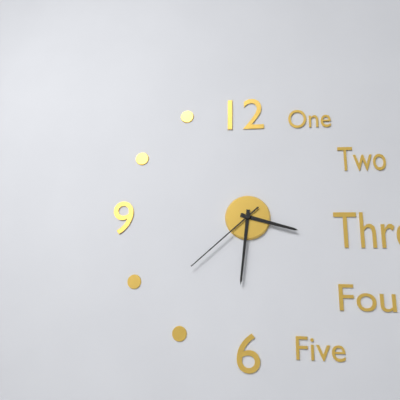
3:31:38
